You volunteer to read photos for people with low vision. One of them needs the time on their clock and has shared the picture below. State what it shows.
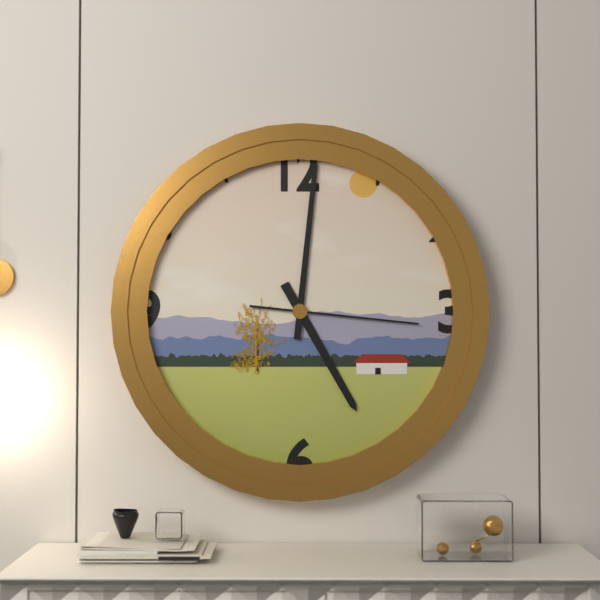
5:01:16
